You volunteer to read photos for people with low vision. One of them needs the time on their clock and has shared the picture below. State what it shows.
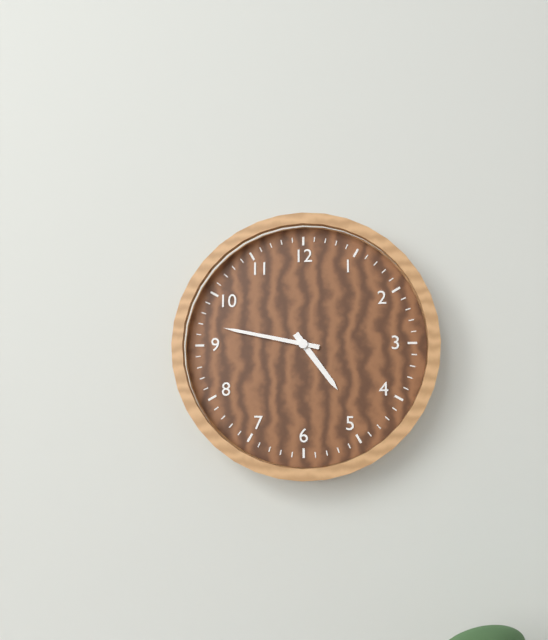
4:47
